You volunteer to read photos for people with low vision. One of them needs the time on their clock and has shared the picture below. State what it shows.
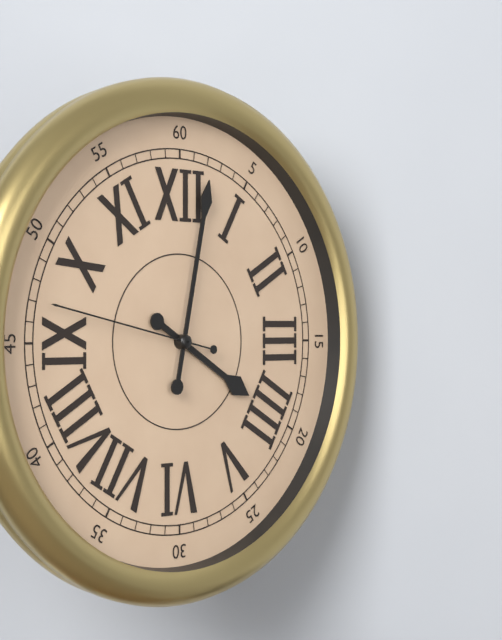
4:02:47
